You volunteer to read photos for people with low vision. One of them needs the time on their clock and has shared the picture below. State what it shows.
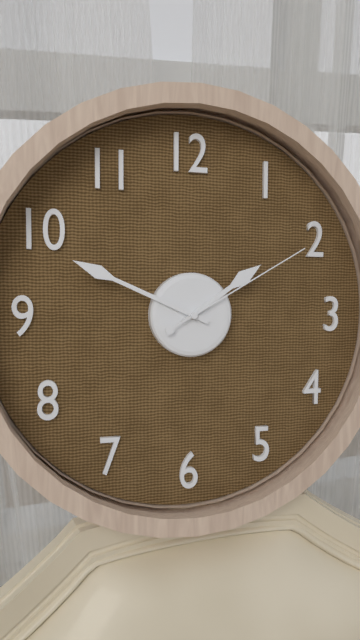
1:49:10
